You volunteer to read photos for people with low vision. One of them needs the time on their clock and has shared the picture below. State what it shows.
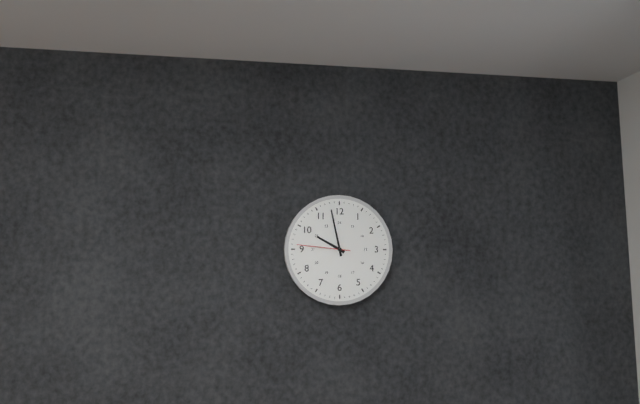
9:58:46
